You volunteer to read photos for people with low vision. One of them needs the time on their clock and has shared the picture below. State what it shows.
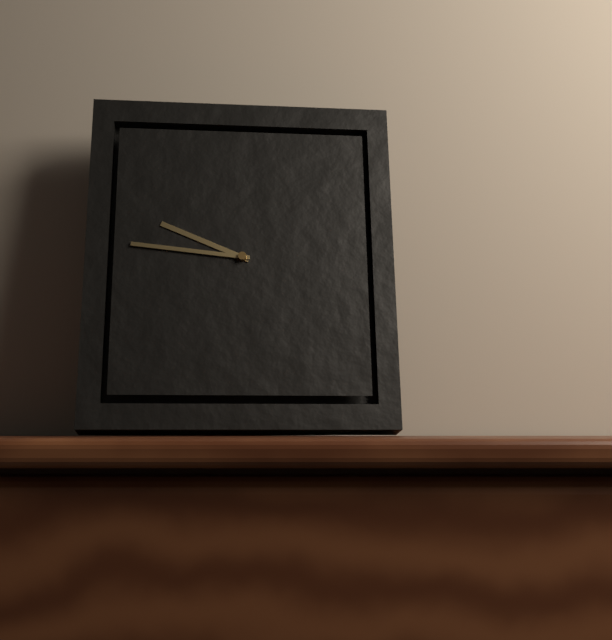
9:46
